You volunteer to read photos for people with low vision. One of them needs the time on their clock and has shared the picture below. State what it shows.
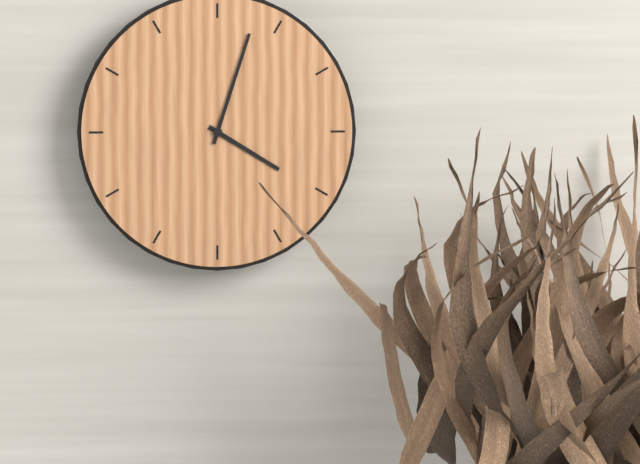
4:03
